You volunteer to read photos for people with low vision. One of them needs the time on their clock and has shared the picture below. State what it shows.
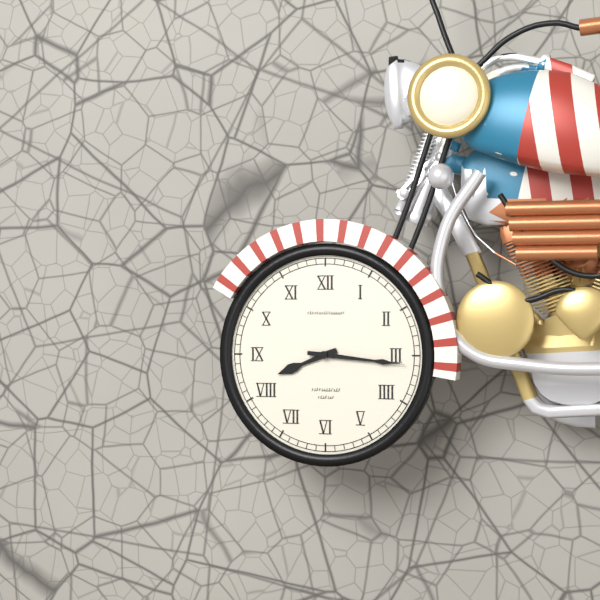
8:16
